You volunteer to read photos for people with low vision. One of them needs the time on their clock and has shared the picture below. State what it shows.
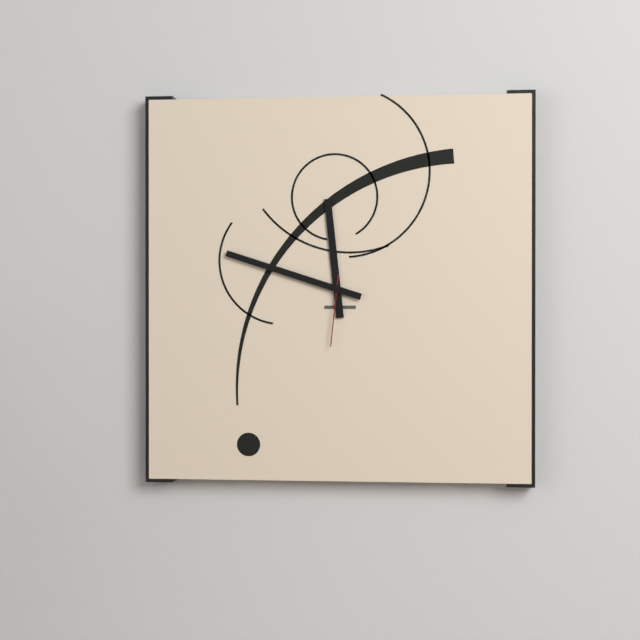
11:48:31
